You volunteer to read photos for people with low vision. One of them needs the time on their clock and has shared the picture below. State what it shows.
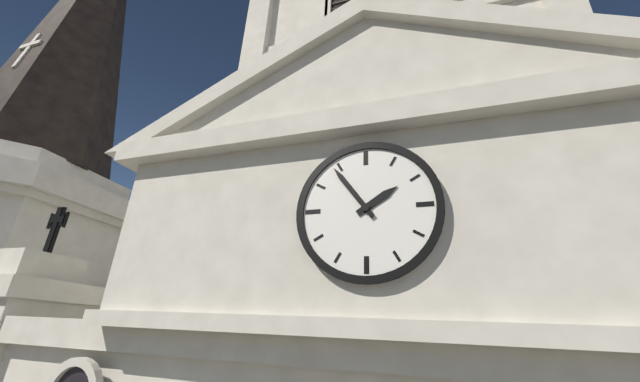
1:54
